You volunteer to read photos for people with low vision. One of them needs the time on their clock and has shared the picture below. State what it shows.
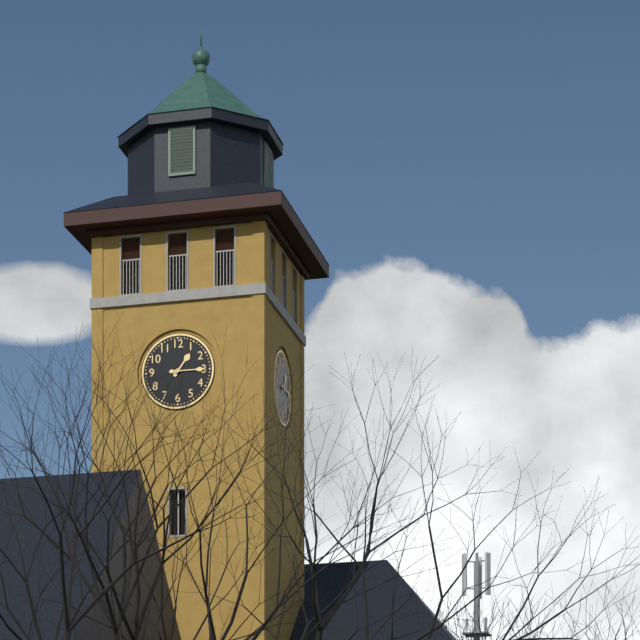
1:15
